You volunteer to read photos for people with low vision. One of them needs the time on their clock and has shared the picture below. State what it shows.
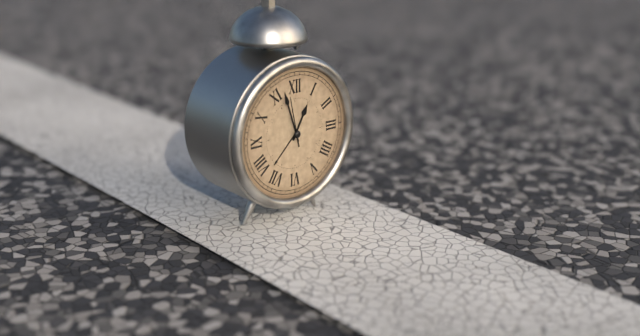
12:57
